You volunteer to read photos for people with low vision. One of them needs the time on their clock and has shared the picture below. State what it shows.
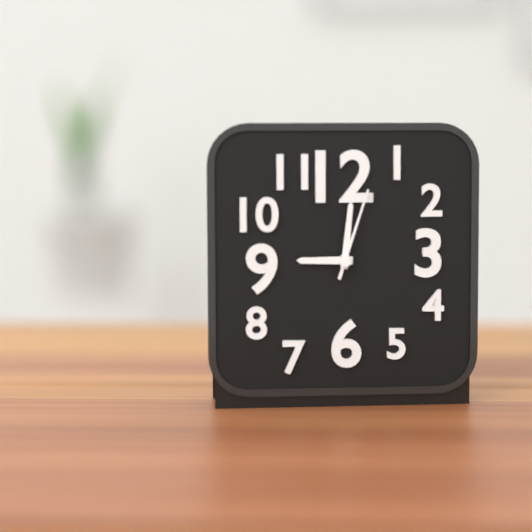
9:01:03
